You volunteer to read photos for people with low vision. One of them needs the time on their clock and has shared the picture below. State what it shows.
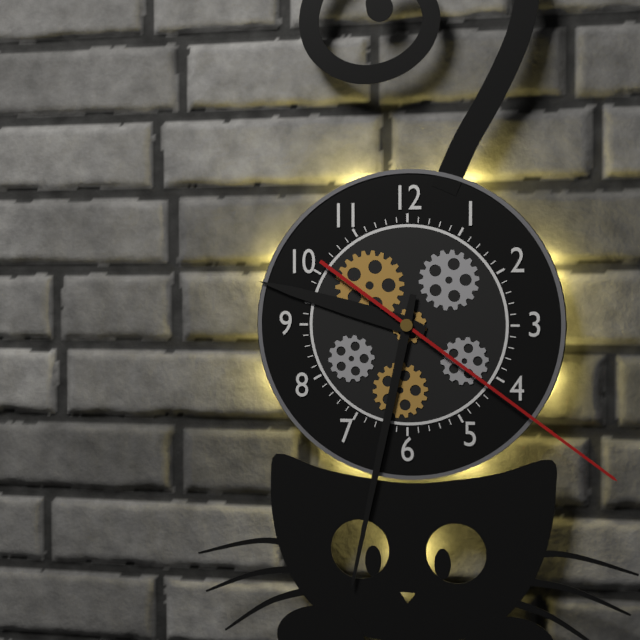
9:32:21
